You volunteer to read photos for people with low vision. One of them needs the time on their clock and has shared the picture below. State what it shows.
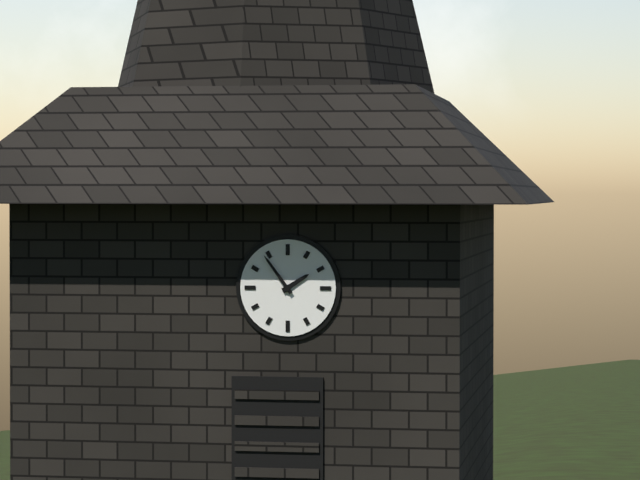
1:54
